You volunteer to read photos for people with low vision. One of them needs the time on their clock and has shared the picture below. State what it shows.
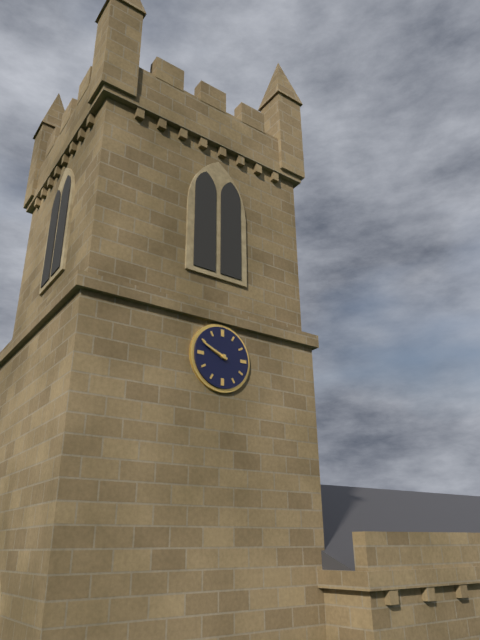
9:49
